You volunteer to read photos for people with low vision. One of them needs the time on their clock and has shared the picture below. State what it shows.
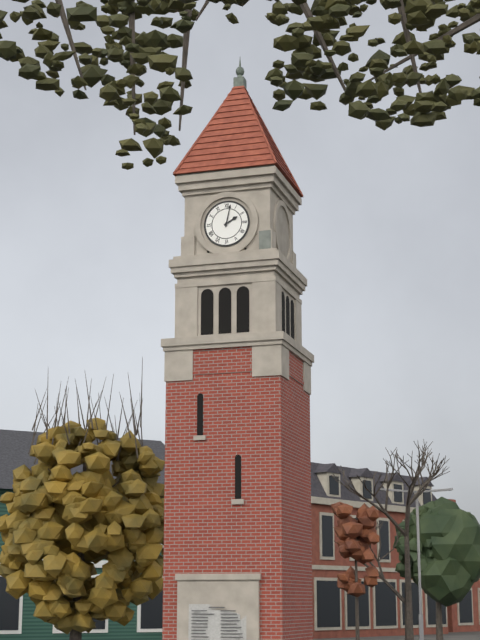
2:02
